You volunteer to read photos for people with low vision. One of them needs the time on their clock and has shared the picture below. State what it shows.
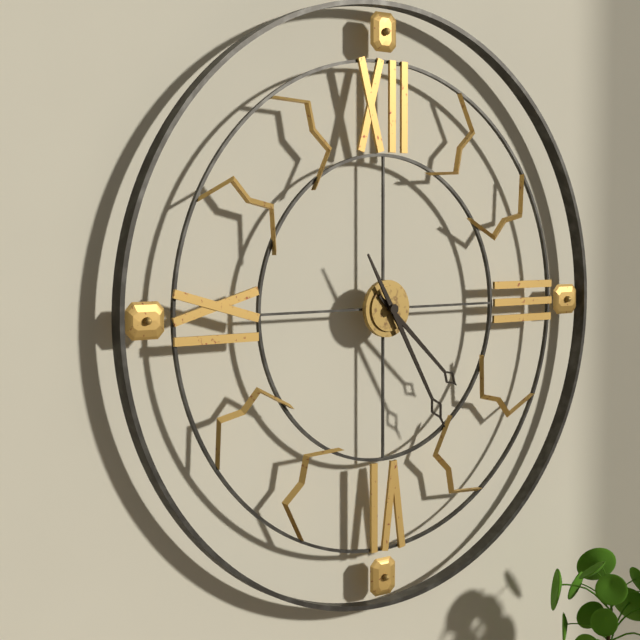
4:25
